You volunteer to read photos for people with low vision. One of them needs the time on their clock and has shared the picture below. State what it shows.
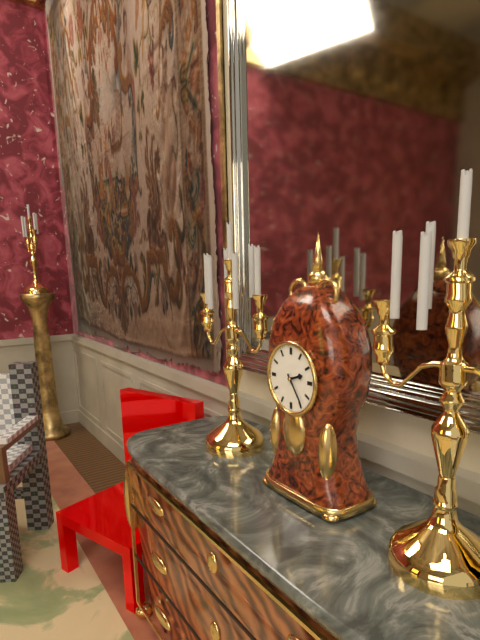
2:24
